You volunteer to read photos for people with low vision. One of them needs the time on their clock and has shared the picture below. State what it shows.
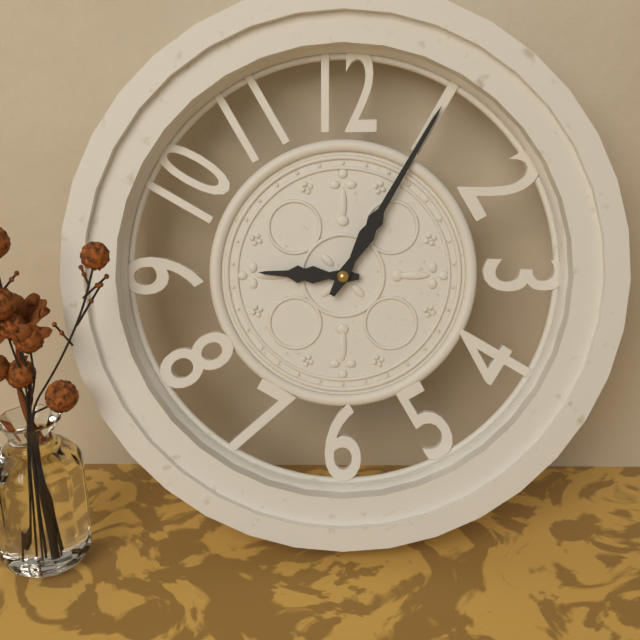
9:05
